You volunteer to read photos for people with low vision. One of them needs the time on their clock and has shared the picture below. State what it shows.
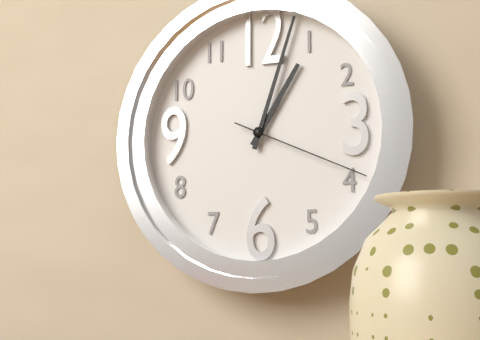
1:03:19
